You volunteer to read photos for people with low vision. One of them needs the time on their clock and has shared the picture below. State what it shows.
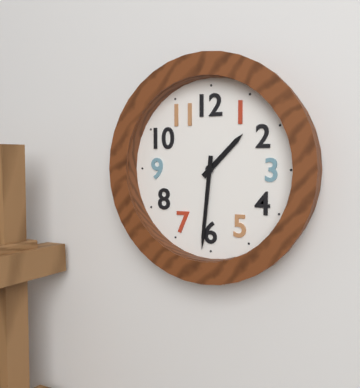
1:31
